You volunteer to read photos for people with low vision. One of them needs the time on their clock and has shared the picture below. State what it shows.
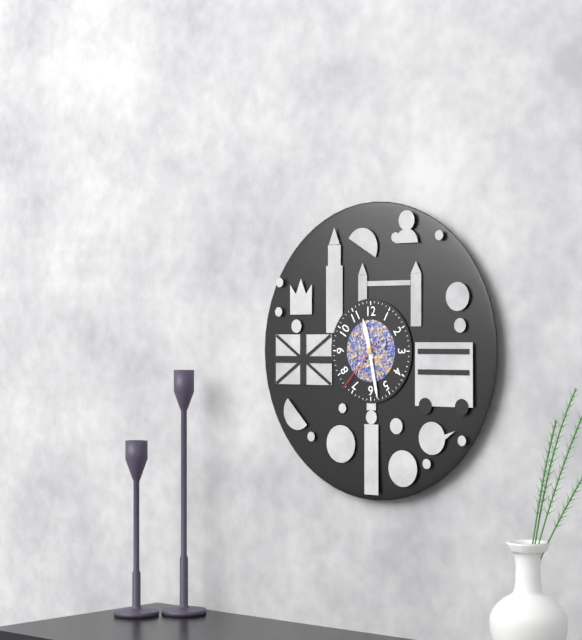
11:28:37
